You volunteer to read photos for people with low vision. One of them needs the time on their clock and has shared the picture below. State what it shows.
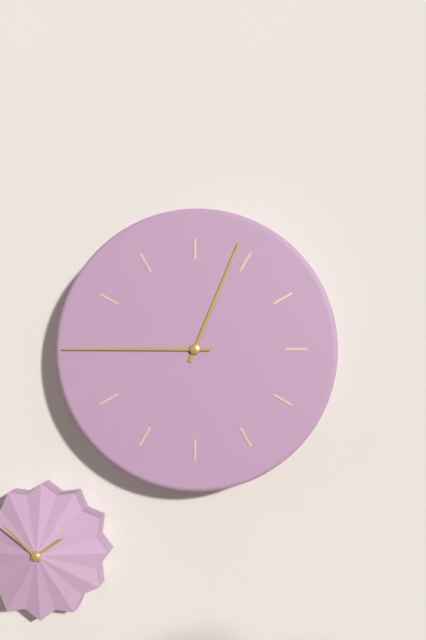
12:45
